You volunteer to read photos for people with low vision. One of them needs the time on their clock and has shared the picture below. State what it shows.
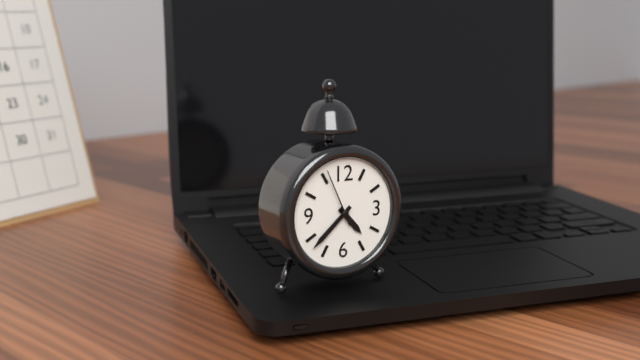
4:38
